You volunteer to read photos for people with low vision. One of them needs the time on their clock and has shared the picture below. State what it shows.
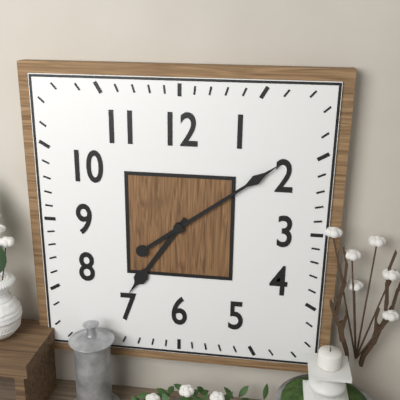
7:09
